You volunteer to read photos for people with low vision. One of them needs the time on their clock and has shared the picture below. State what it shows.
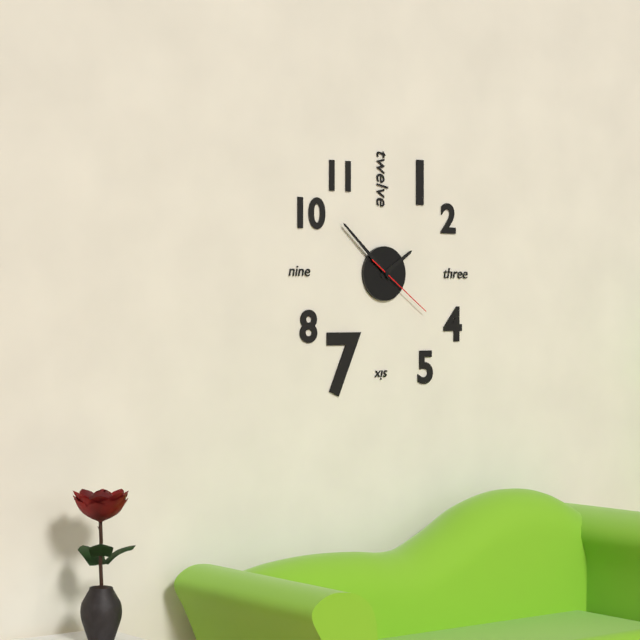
1:52:21
